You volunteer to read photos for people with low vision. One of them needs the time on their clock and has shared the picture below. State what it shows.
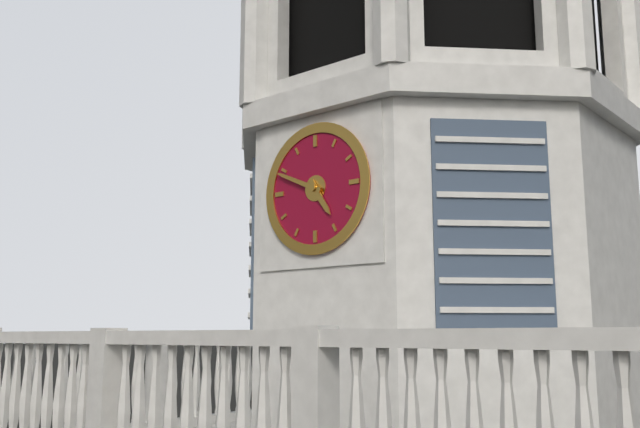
4:49
